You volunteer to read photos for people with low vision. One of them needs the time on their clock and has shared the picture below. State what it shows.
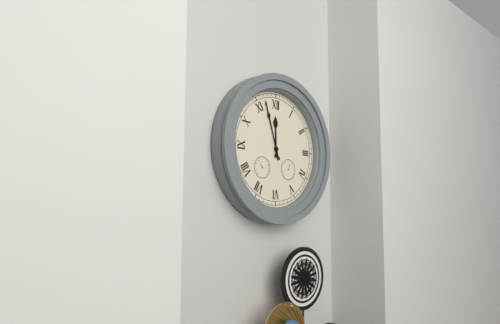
11:57
